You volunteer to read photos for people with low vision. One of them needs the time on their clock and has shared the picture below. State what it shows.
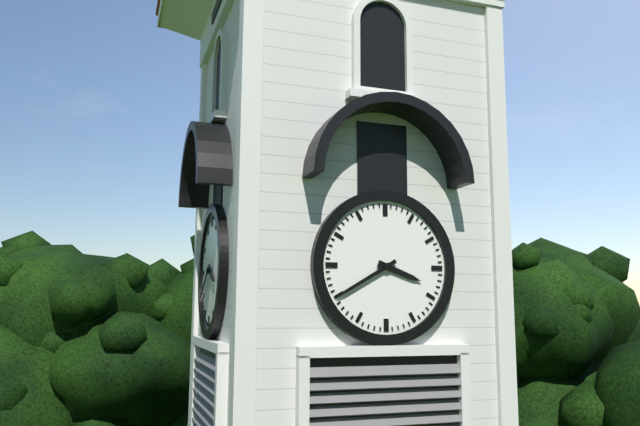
3:40
